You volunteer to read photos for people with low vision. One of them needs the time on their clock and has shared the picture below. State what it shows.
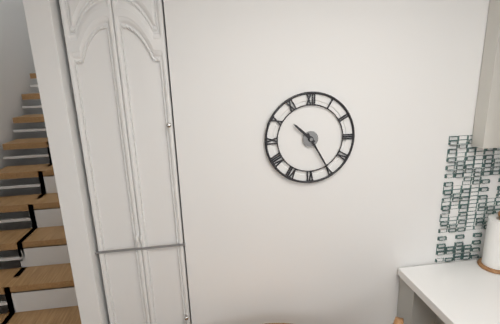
10:25
